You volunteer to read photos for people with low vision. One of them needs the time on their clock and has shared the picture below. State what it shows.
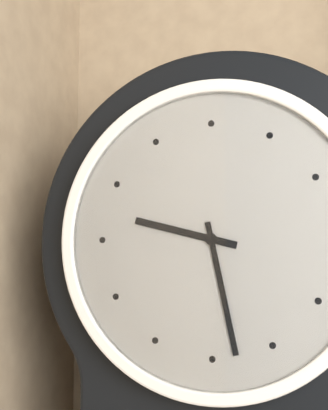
9:28
